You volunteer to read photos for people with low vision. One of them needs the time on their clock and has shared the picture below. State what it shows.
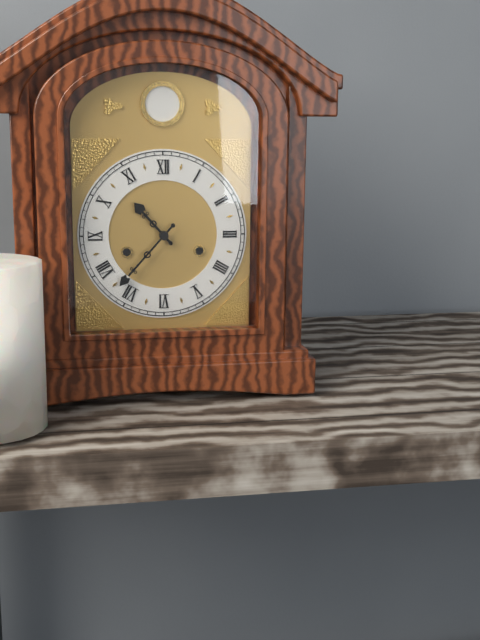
10:37
